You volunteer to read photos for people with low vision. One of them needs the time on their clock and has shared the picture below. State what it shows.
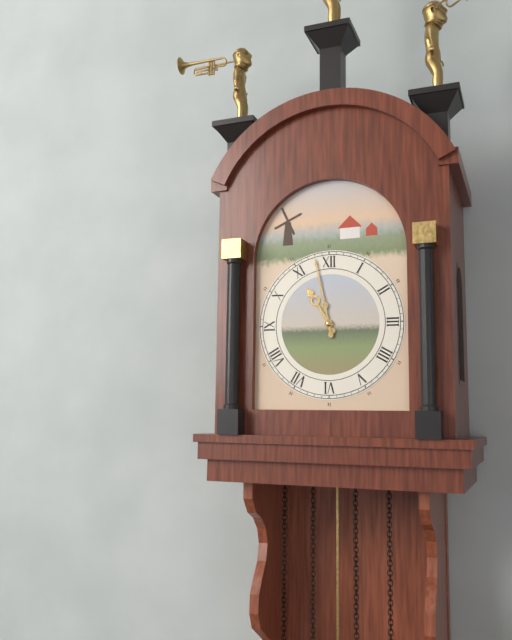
10:58
